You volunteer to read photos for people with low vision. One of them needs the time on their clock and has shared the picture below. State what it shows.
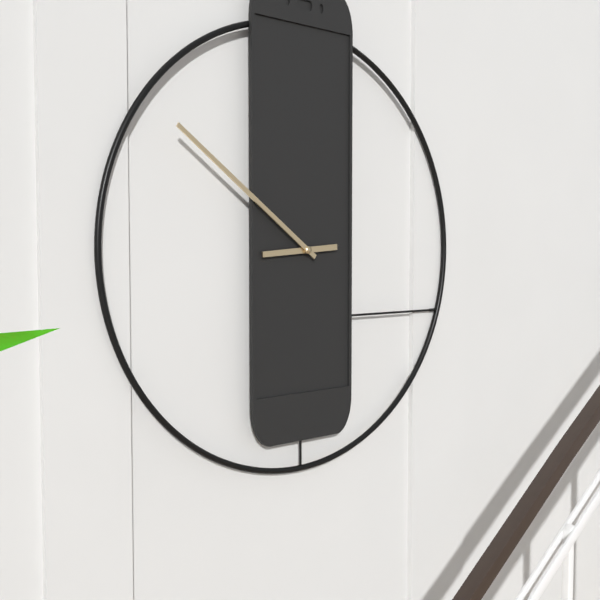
8:51
